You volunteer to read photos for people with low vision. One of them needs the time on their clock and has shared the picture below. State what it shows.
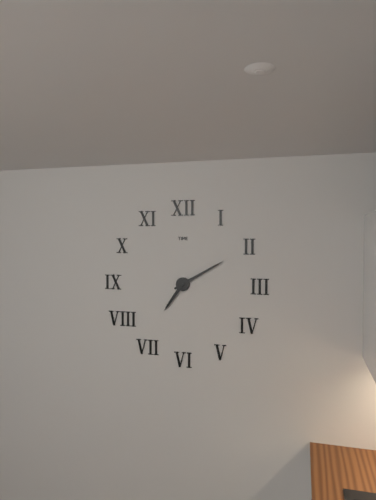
7:10
